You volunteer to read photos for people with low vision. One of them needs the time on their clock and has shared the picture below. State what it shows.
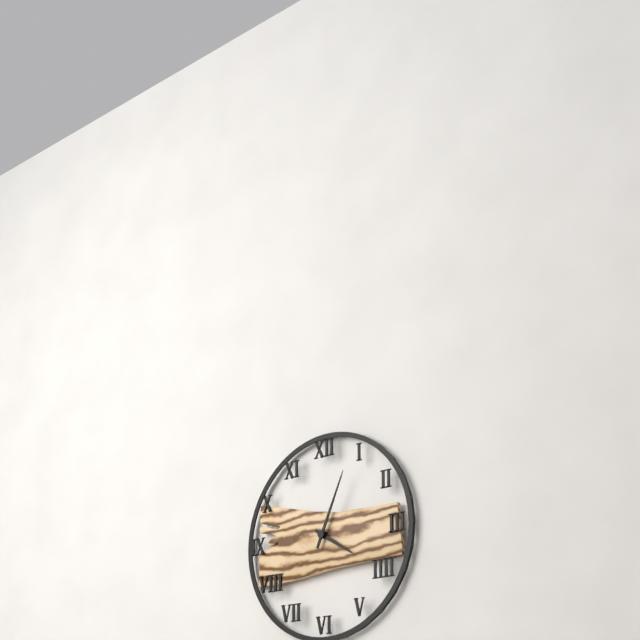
4:04
